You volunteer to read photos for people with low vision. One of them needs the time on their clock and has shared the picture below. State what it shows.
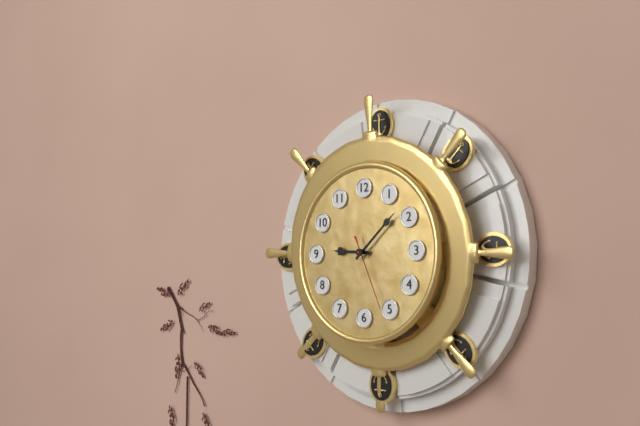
9:08:26
